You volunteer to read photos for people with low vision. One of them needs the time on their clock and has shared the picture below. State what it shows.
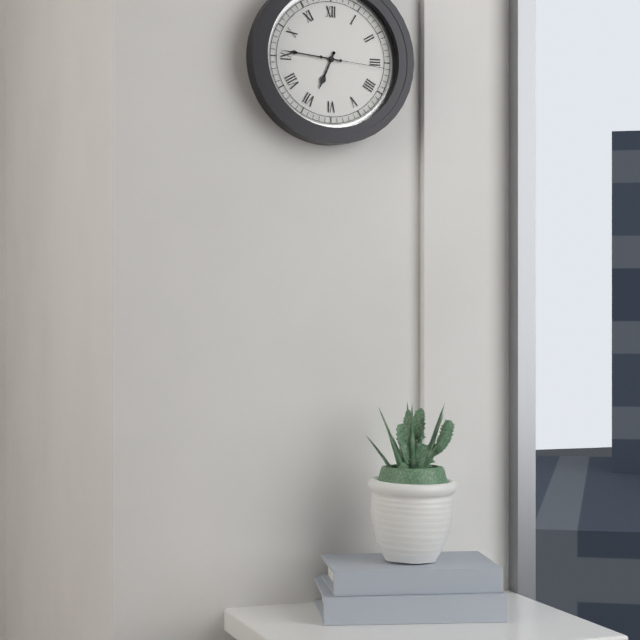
6:46:16
